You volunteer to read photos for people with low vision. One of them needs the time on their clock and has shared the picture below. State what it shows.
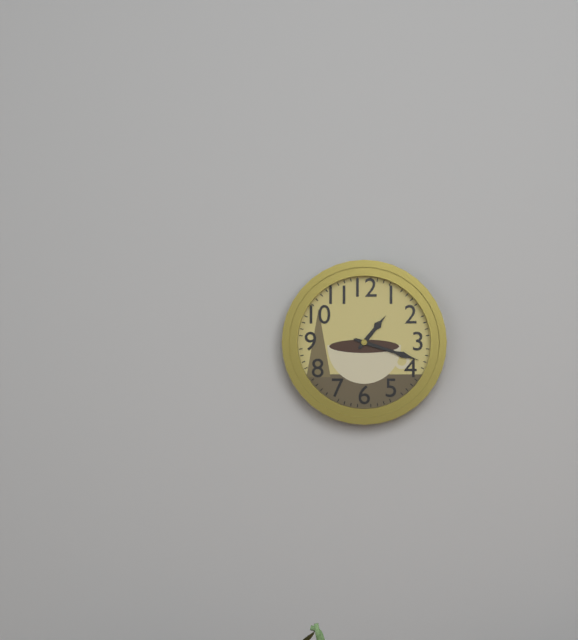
1:18
